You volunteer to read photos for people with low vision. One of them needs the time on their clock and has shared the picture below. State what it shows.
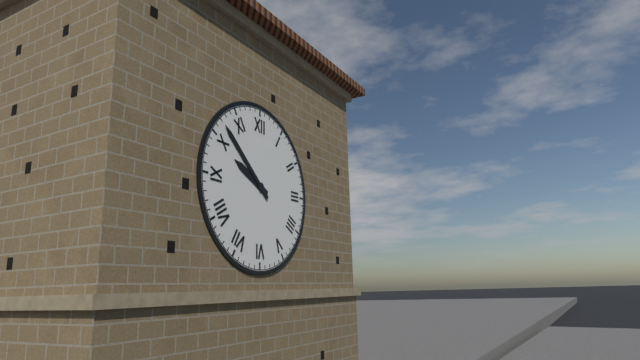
9:52
